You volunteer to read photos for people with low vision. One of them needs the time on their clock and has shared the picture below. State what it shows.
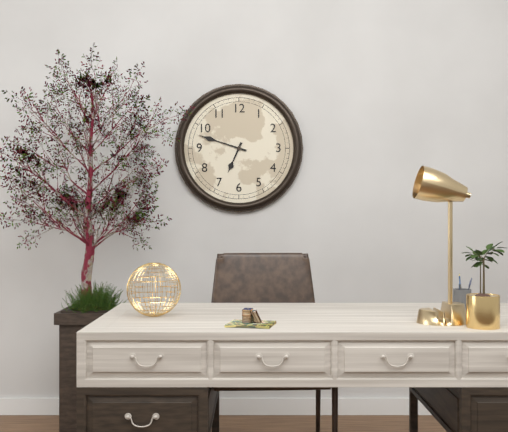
6:48
